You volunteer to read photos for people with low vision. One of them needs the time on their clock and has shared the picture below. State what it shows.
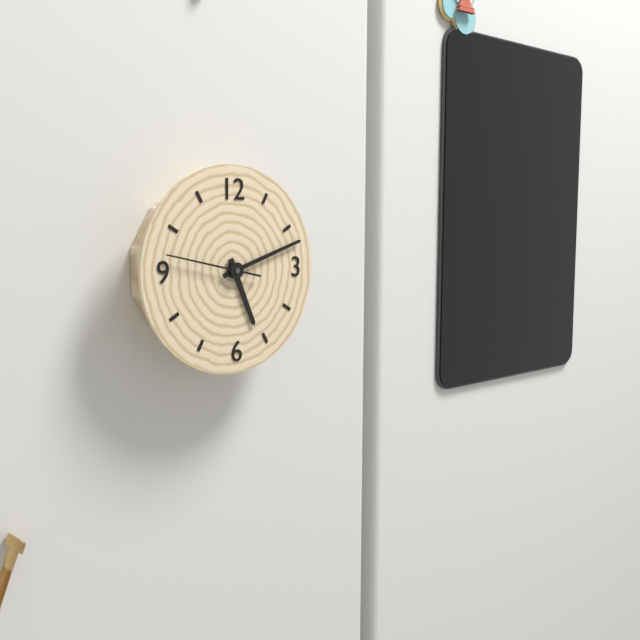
5:12:47
